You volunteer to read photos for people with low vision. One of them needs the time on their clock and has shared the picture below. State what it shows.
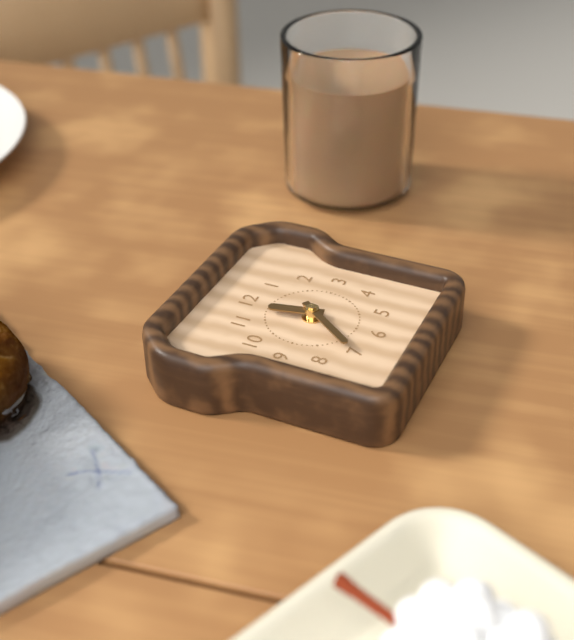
11:36
